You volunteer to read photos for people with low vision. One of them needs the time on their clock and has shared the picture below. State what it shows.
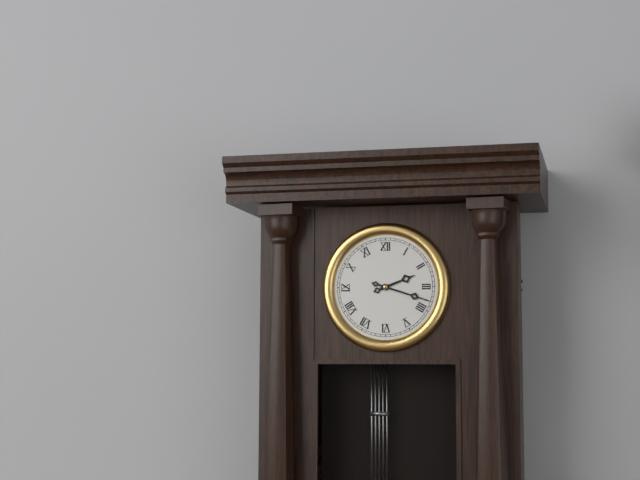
2:18
